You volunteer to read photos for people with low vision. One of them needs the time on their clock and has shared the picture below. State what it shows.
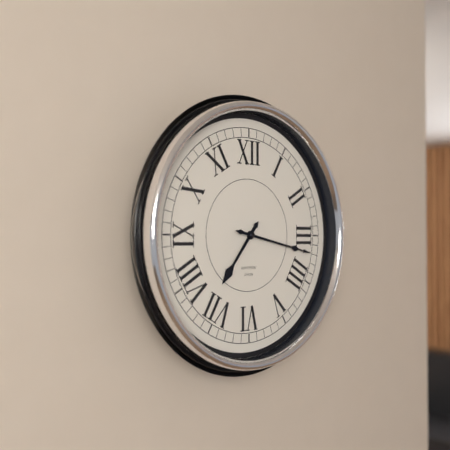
7:17
